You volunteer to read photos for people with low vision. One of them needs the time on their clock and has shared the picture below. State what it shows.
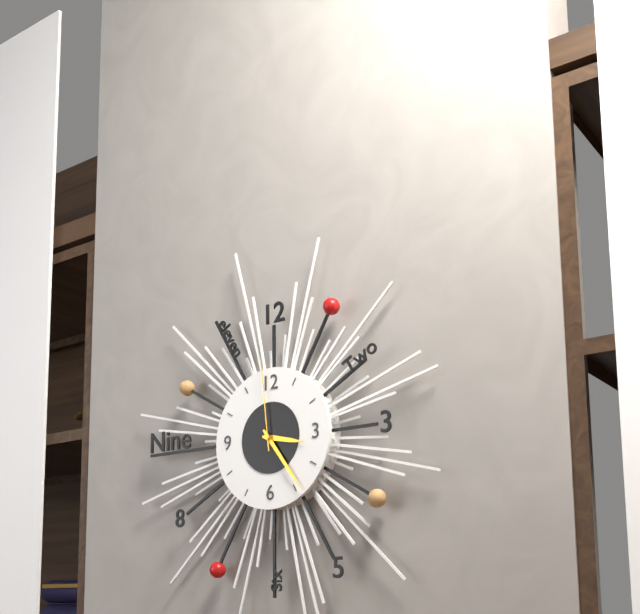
3:24:59
